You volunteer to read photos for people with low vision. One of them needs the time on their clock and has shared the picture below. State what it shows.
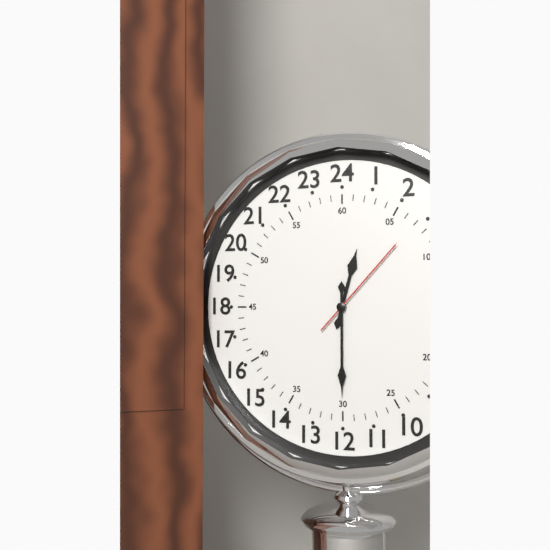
12:30:07
